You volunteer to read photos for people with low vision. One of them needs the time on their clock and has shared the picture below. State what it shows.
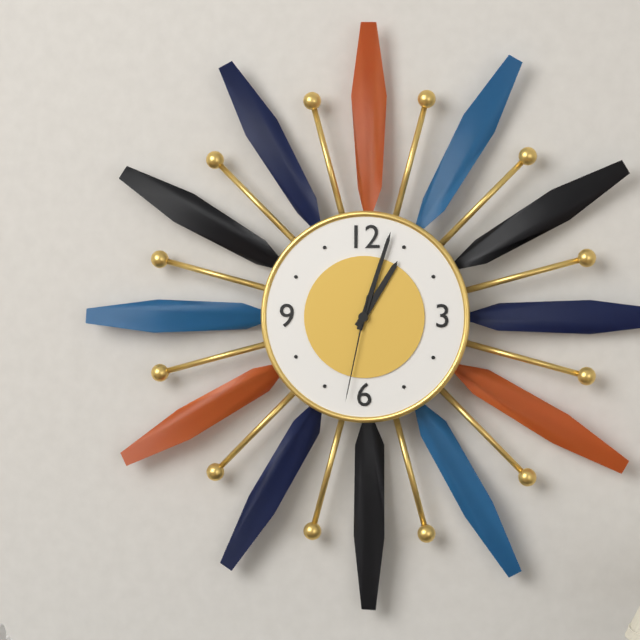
1:03:32
